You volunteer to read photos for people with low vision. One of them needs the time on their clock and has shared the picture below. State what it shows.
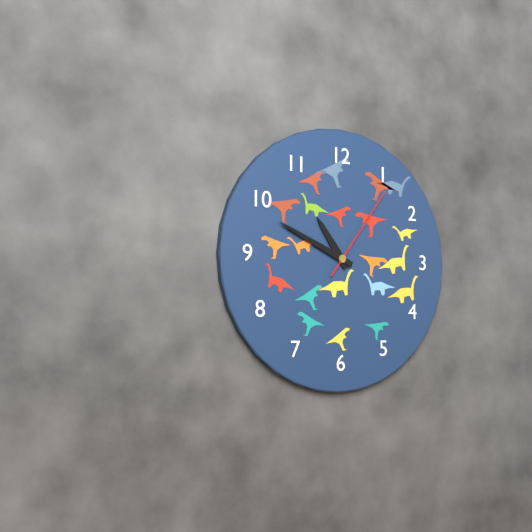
10:49:06
